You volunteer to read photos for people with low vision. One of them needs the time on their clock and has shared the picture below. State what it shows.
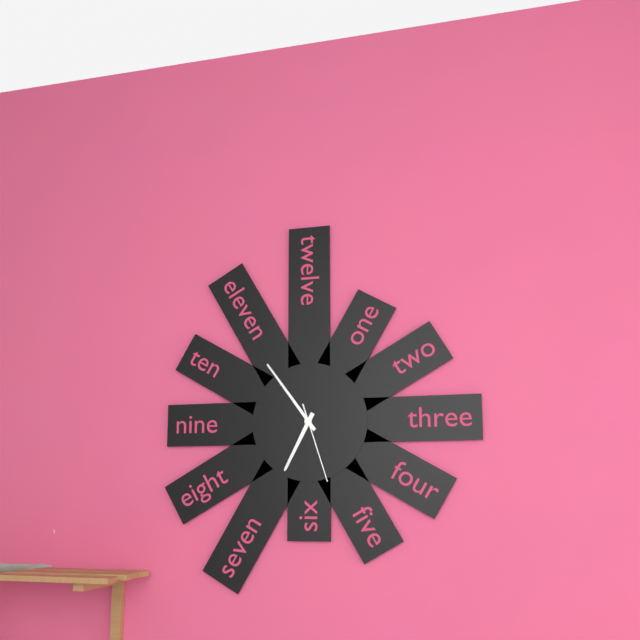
6:54:27
